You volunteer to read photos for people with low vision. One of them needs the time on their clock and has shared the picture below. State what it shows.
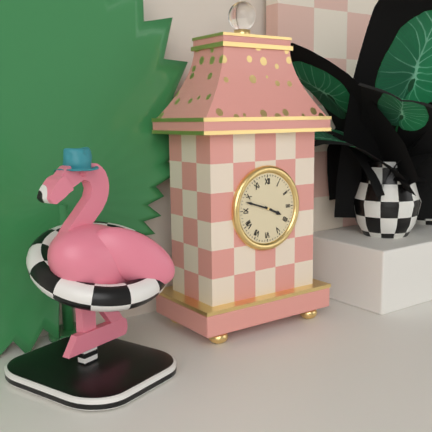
3:48
